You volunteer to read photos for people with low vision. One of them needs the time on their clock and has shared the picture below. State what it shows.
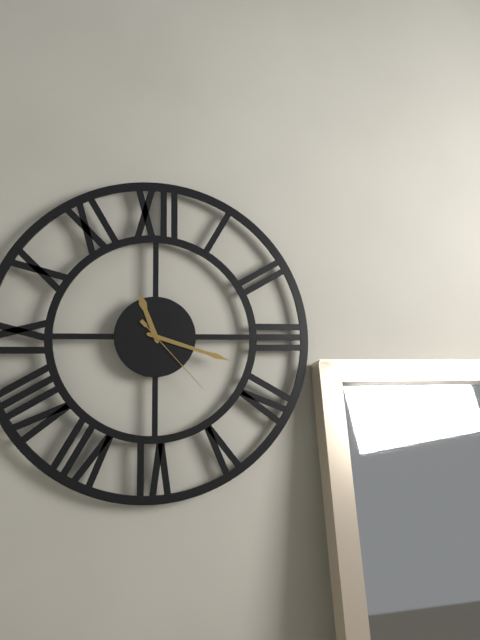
11:18:23
